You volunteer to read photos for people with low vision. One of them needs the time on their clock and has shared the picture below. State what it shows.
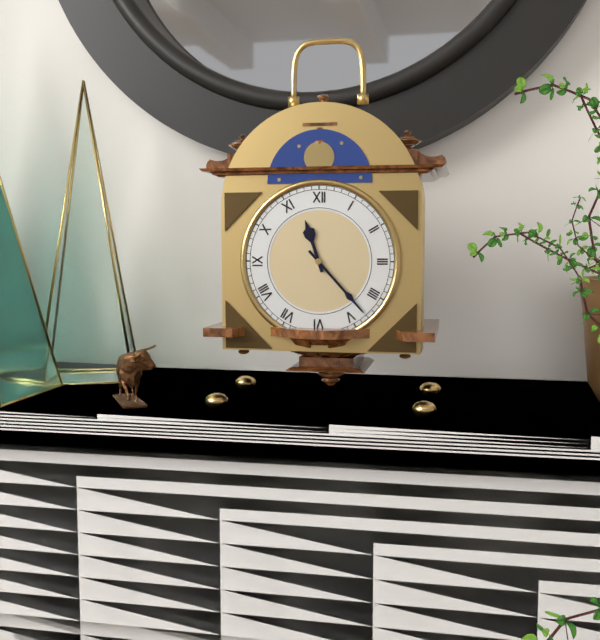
11:23
